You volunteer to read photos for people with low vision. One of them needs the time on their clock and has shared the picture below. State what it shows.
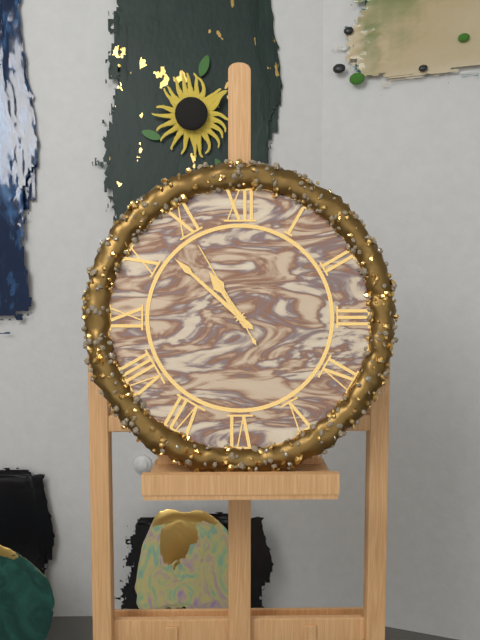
10:52:55
